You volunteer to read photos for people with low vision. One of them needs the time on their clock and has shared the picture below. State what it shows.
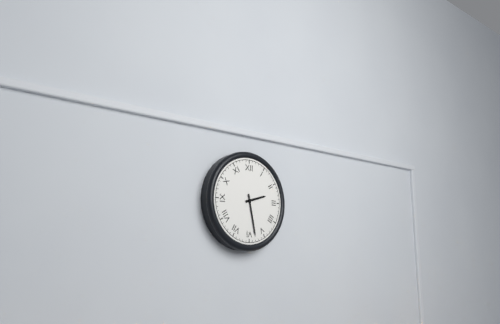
2:28
